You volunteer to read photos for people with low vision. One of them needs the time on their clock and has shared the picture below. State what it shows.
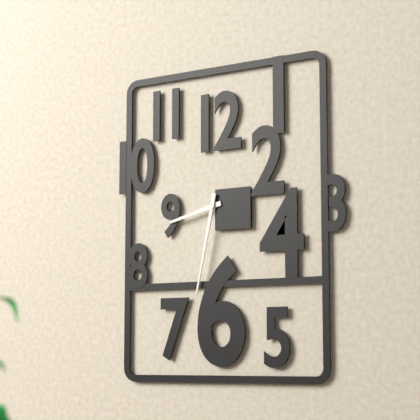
8:32
